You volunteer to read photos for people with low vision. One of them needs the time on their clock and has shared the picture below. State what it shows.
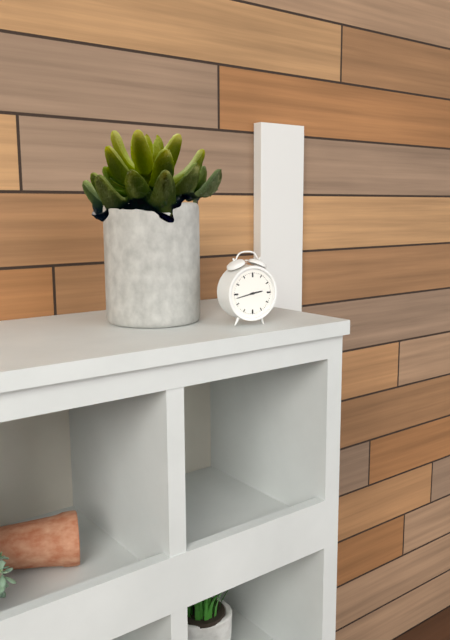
2:43
